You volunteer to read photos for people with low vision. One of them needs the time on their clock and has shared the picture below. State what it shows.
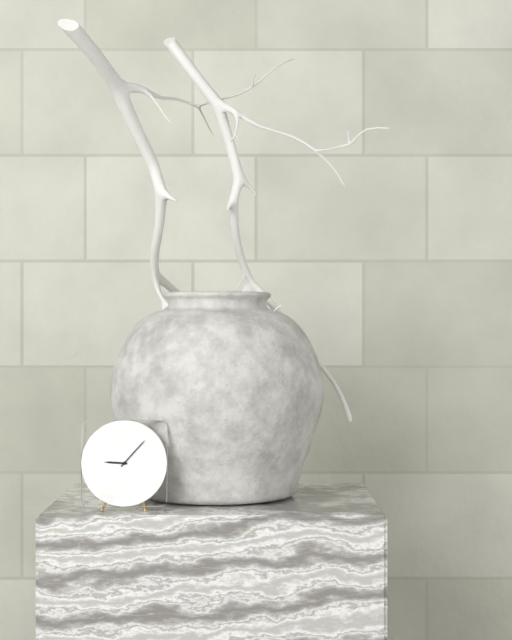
9:07
